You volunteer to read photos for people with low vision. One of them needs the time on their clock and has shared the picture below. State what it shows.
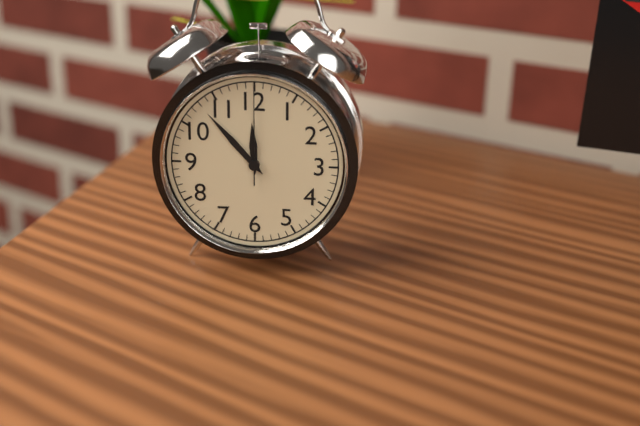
11:53:00
